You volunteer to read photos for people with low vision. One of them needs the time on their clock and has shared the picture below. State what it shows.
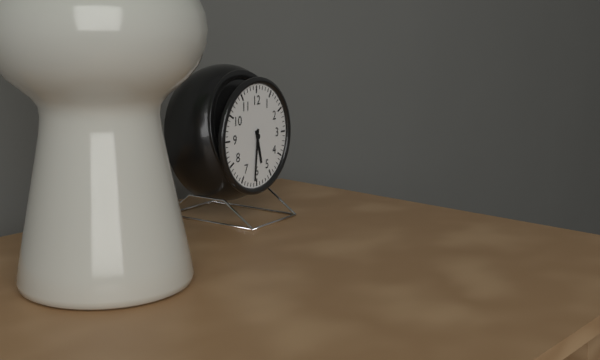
5:31
